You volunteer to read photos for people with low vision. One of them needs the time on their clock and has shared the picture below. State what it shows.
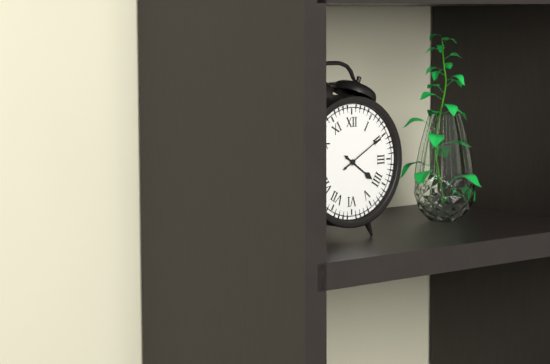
4:10
